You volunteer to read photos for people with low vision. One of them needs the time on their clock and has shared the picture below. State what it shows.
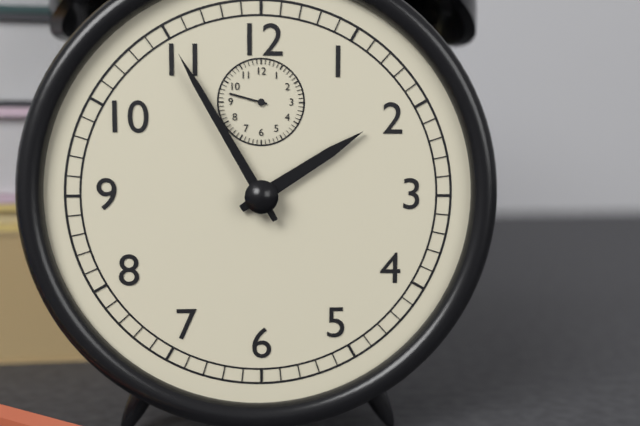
1:55
